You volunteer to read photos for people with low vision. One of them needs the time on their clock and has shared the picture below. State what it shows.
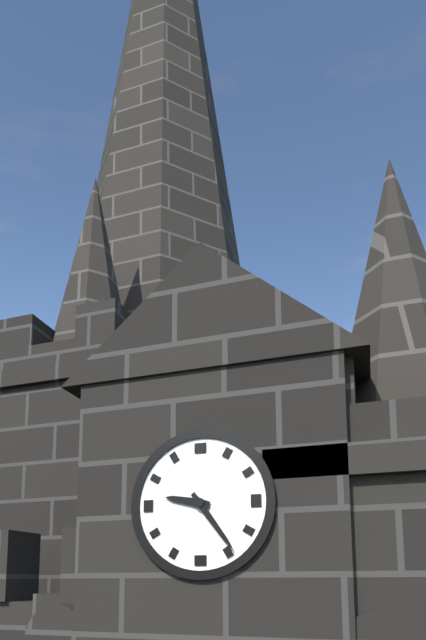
9:24
